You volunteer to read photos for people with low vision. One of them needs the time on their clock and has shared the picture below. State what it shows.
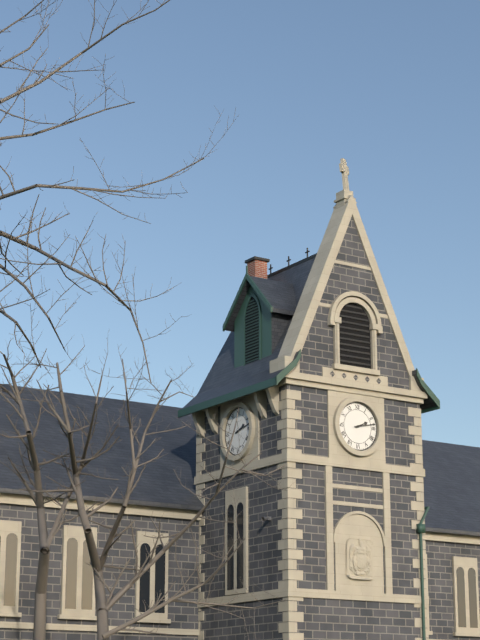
2:13
